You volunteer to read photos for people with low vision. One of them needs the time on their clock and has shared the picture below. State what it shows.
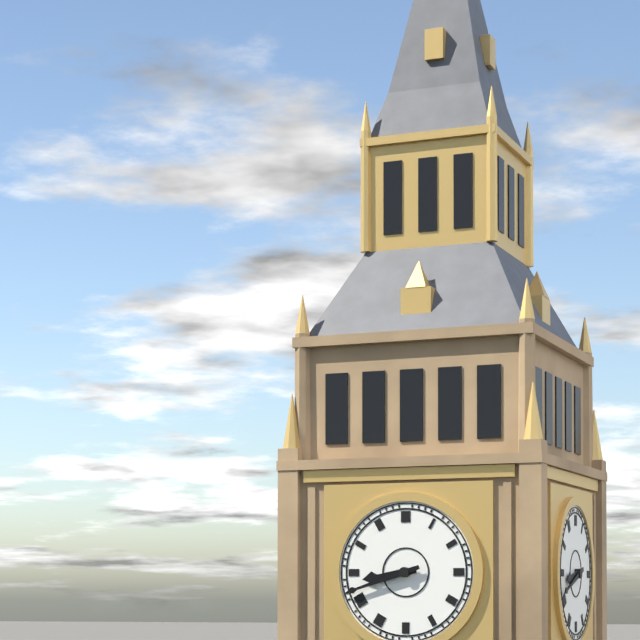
8:42
